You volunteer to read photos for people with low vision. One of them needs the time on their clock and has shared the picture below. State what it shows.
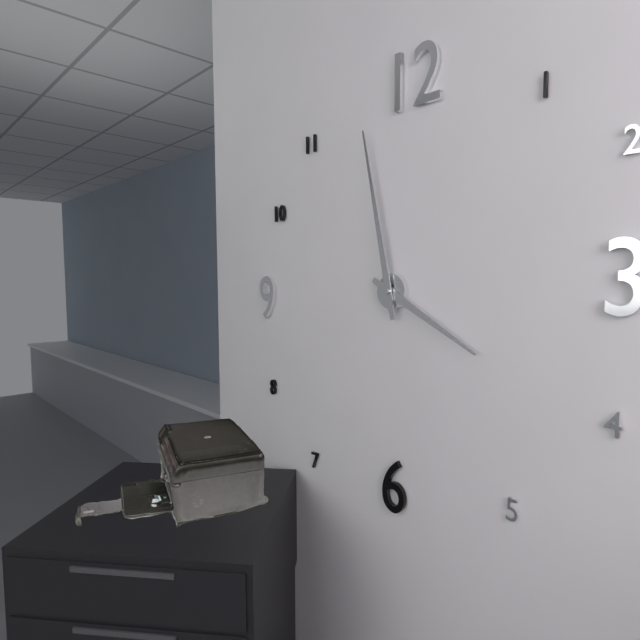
3:58
